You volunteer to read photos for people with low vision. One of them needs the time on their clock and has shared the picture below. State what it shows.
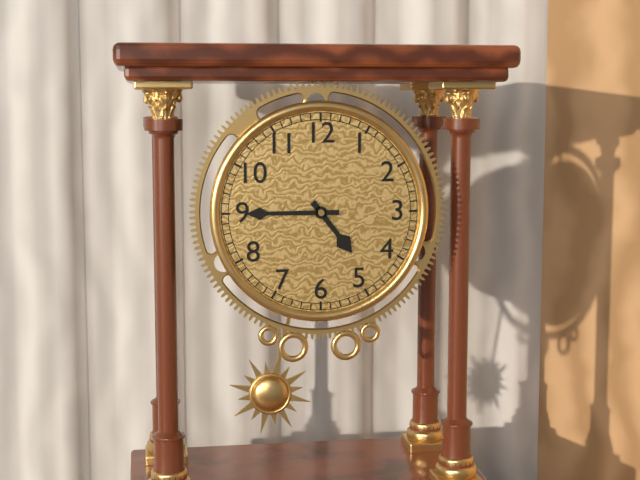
4:45
